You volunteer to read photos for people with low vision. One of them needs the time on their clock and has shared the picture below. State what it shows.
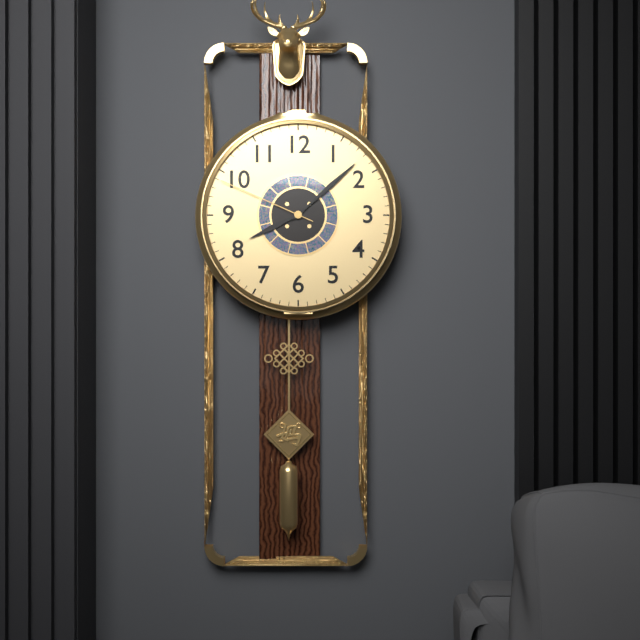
8:08:49
